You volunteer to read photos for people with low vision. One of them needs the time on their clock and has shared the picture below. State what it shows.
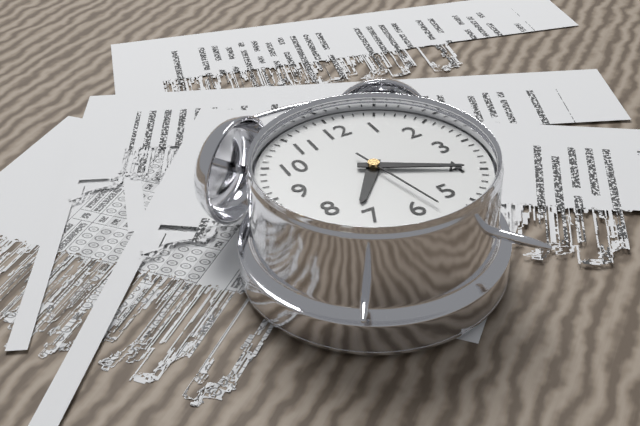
7:20:28
